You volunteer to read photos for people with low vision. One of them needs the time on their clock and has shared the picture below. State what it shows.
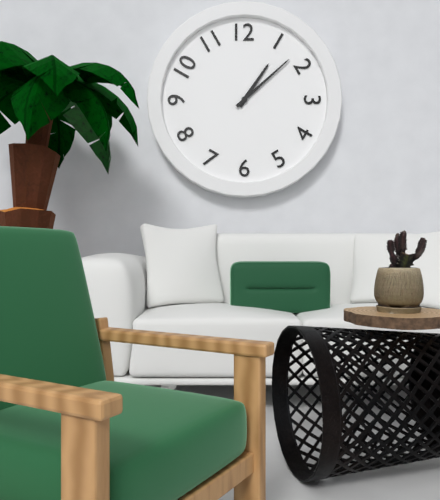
1:08
